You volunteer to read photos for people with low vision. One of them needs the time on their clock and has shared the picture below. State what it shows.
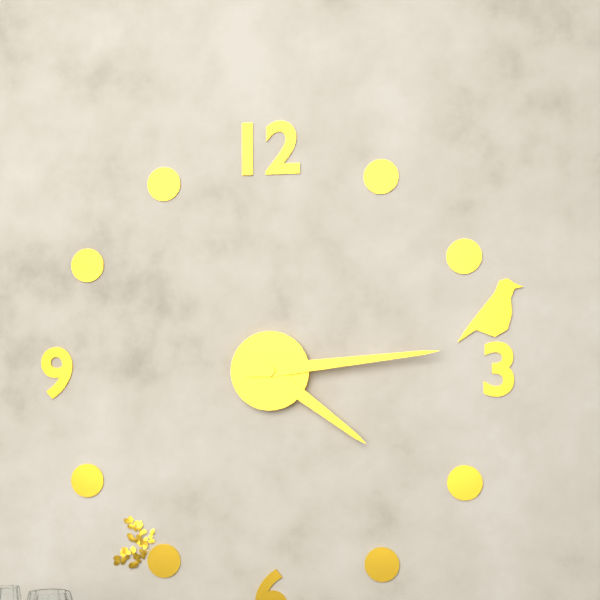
4:14
